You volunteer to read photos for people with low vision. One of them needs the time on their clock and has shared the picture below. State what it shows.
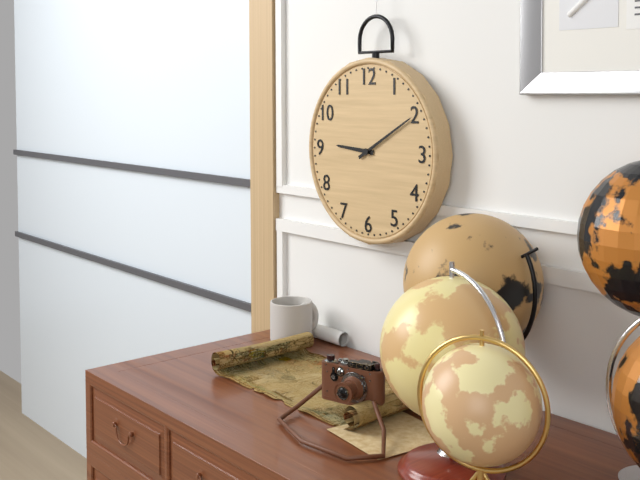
9:10
